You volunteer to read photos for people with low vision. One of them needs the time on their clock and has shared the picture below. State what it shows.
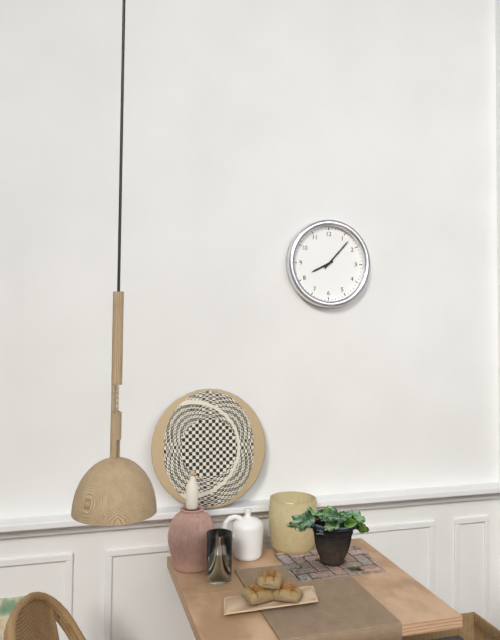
8:07
